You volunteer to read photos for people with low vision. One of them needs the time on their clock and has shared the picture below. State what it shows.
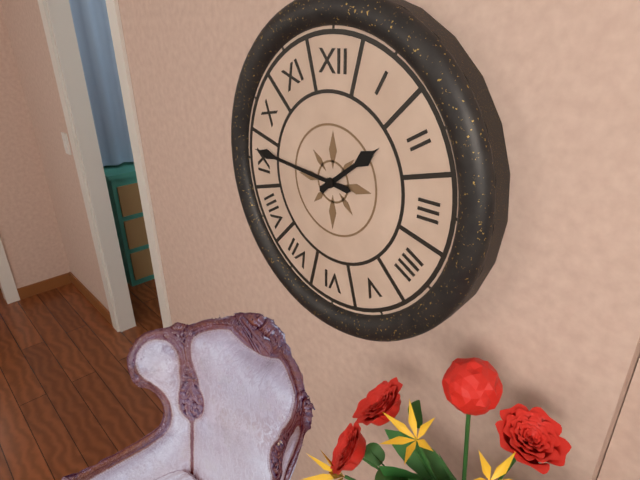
1:46
